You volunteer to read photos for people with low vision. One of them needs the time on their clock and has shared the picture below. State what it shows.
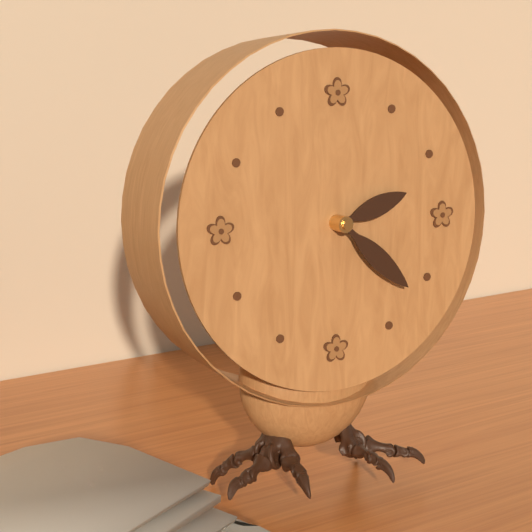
2:22
